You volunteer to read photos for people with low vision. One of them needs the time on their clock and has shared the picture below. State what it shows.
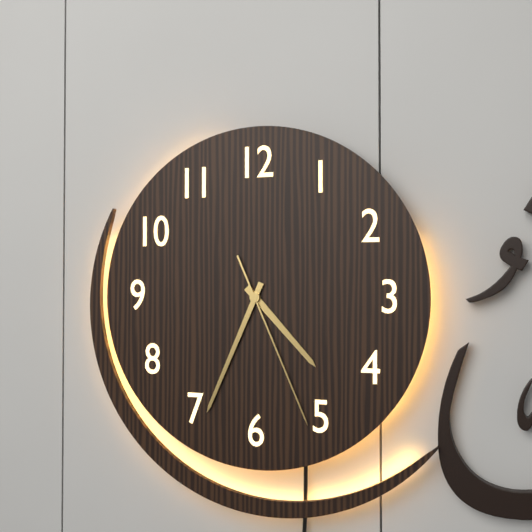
4:34:26
